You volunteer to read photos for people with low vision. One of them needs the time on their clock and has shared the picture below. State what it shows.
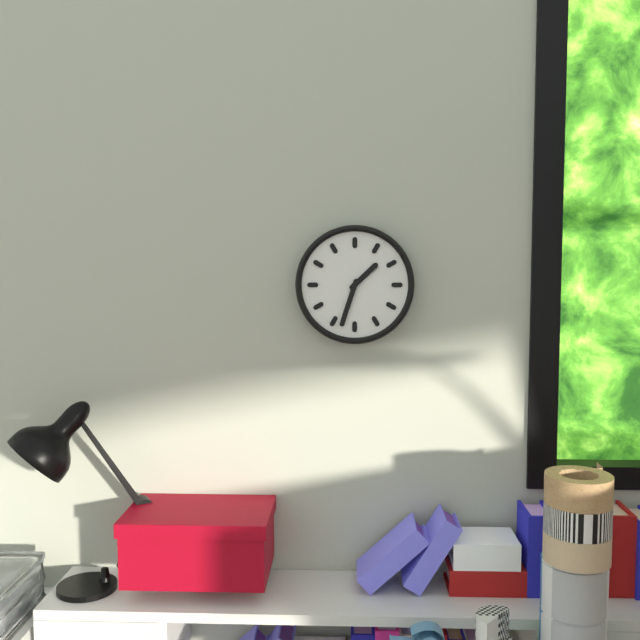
1:33
